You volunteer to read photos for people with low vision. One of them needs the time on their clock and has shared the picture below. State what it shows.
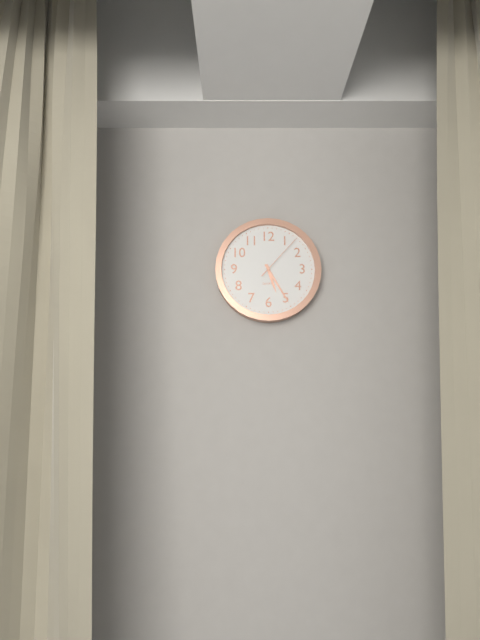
5:25:07
